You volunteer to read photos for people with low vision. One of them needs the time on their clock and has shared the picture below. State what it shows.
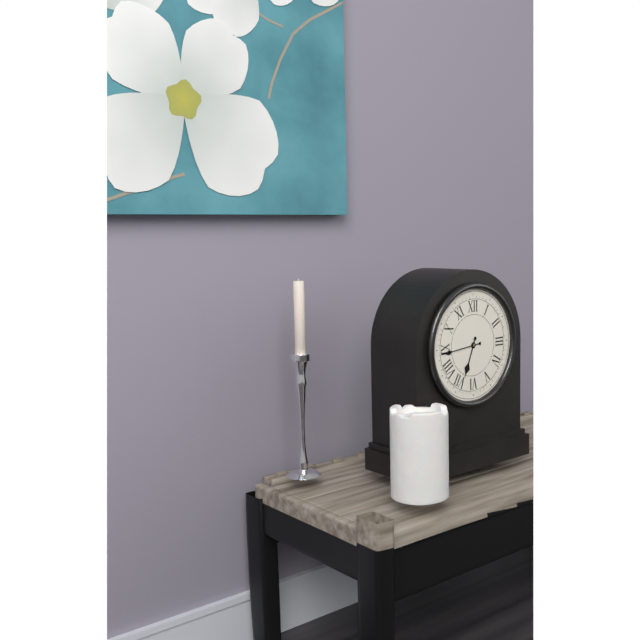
6:44
